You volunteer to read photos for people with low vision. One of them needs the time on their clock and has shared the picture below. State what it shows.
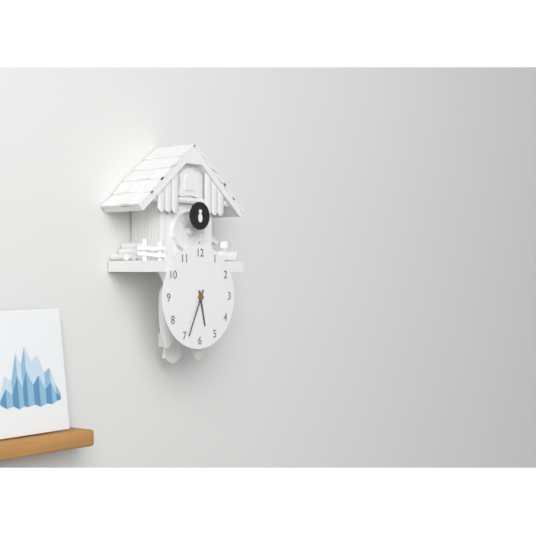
5:34
